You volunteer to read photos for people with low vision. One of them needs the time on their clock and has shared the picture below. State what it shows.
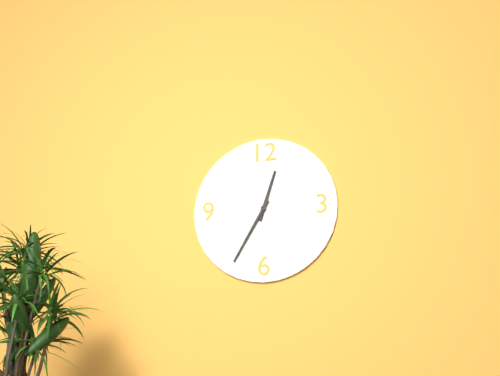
12:35
